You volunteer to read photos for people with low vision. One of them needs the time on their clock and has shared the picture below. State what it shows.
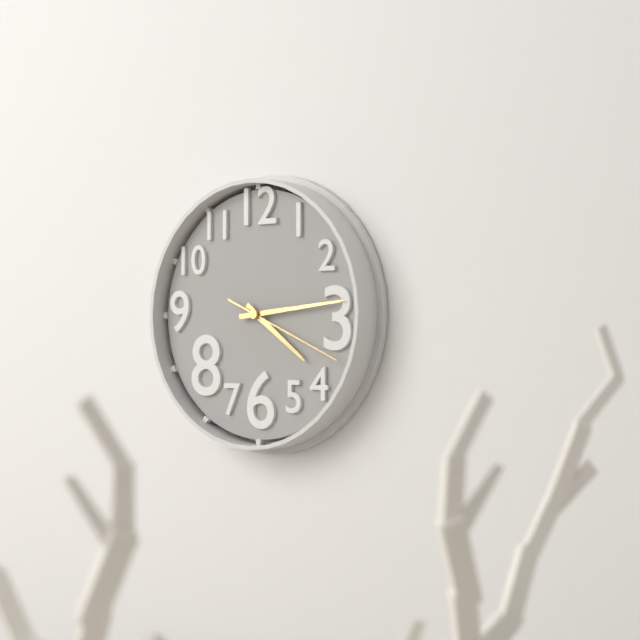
4:14:19
